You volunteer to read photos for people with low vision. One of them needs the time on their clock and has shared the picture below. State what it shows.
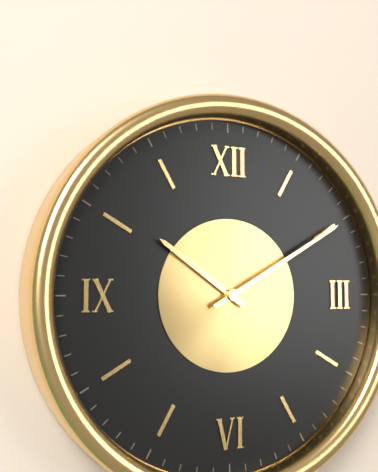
10:10
